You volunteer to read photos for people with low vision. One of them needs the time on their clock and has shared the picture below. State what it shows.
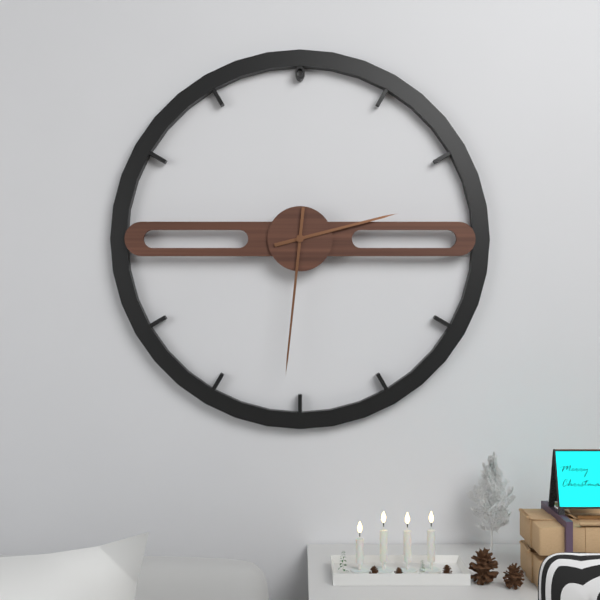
2:31
